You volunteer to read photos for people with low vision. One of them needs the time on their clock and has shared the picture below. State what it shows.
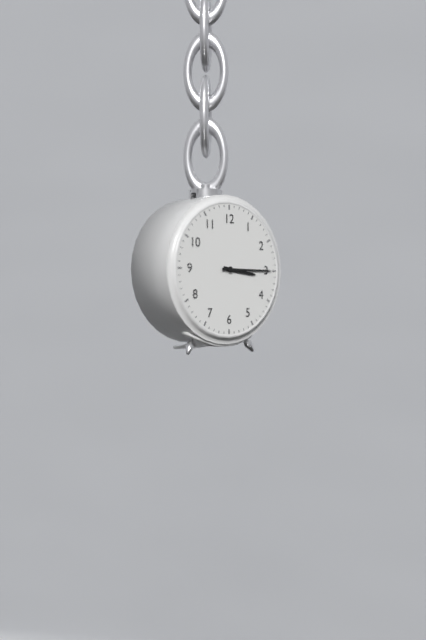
3:15
